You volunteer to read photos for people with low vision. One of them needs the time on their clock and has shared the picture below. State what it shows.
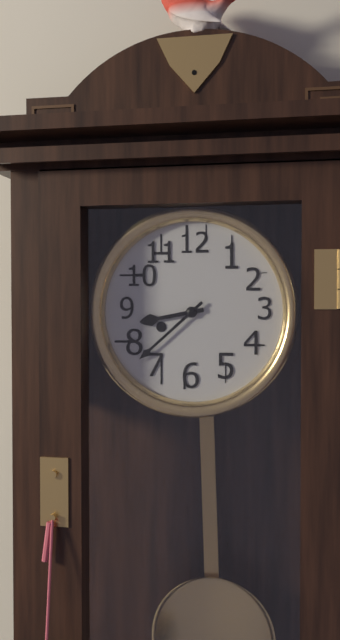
8:38
